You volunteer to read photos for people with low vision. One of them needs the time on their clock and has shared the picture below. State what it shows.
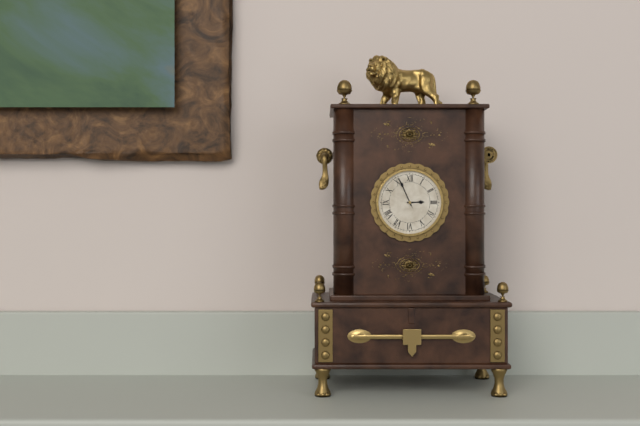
2:56
